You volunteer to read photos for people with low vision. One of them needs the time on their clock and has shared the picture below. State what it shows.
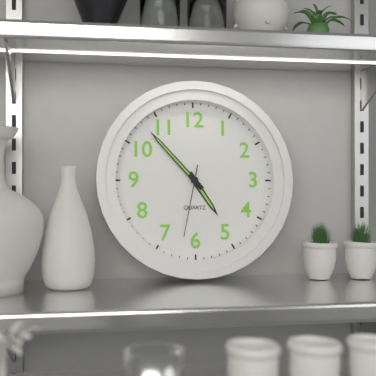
4:53:32
